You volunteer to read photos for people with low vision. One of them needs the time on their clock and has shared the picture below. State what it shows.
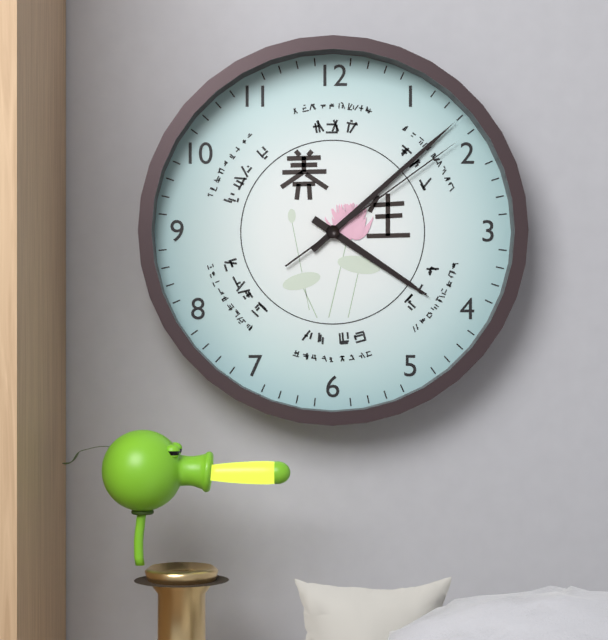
4:08:09
